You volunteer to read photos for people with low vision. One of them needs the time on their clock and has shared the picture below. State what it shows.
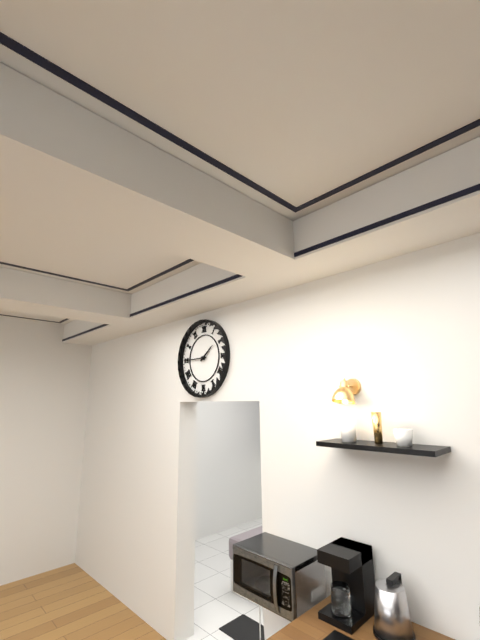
1:45
